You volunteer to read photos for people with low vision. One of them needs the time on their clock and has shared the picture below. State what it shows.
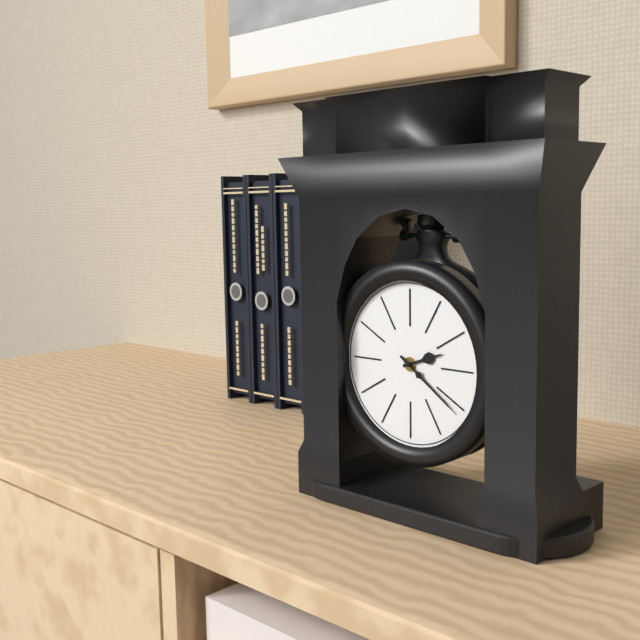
2:21
